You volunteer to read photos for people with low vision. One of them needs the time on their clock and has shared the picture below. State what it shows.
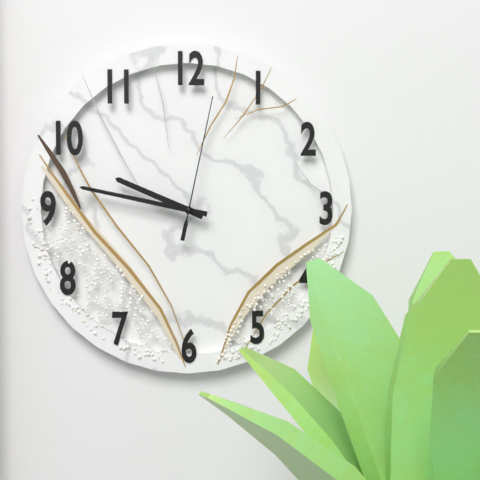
9:47:02
